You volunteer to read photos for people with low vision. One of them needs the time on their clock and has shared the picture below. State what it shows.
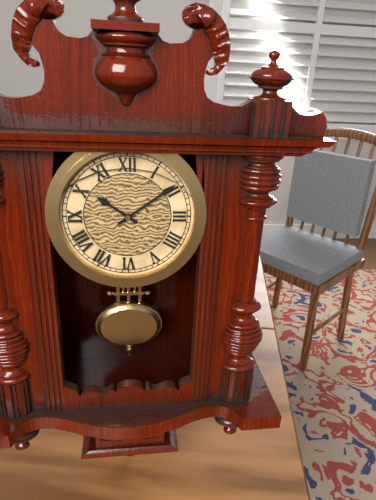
10:09
